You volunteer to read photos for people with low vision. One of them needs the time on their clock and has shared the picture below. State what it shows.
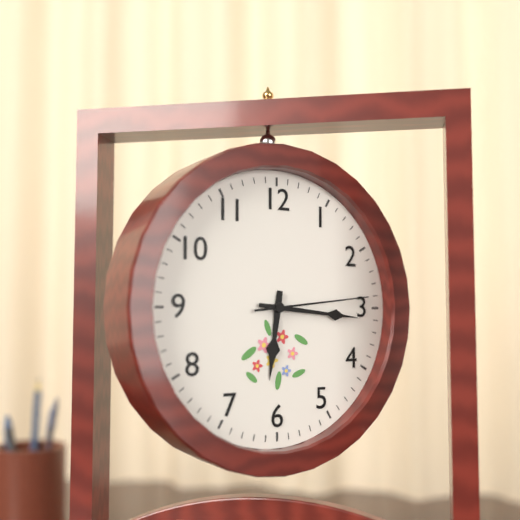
6:16:14
